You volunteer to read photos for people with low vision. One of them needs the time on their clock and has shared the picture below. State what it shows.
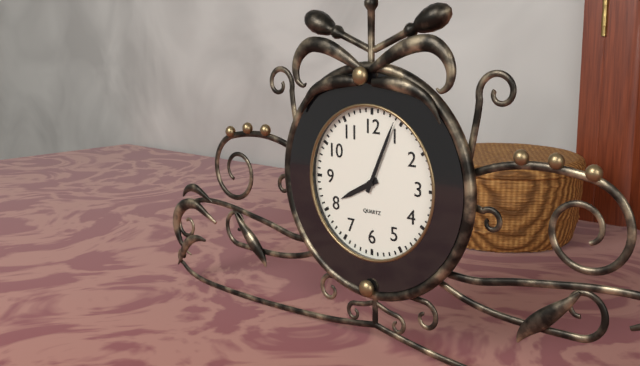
8:04
